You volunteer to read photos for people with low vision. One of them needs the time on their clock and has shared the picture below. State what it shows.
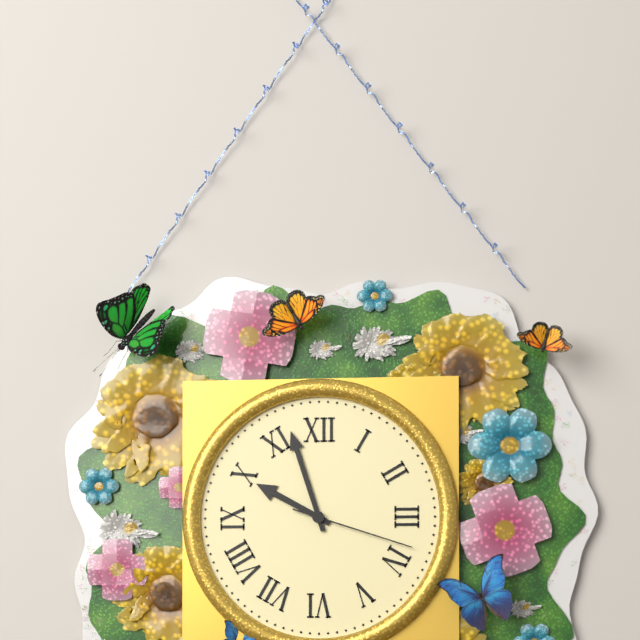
9:57:18
